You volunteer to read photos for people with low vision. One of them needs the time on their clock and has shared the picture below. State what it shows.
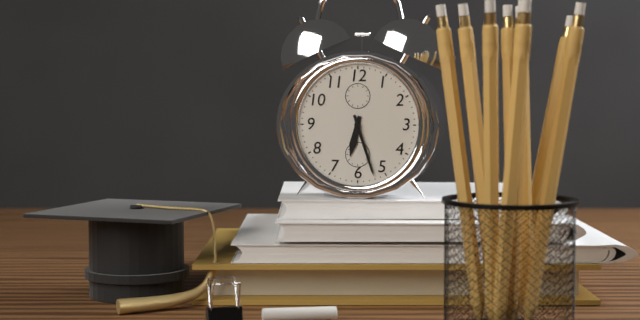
6:27
